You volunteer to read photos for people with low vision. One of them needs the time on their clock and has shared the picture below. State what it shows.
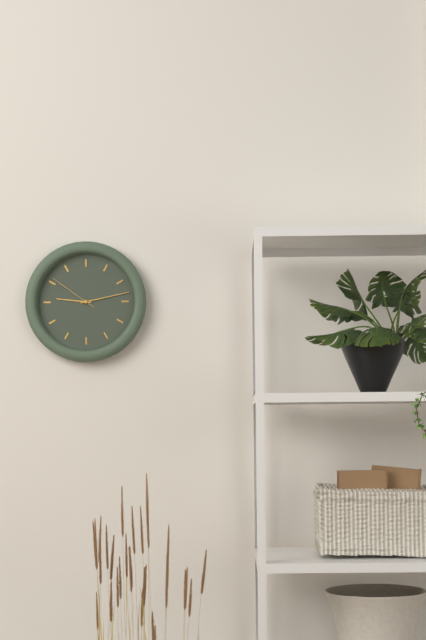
9:13:51
